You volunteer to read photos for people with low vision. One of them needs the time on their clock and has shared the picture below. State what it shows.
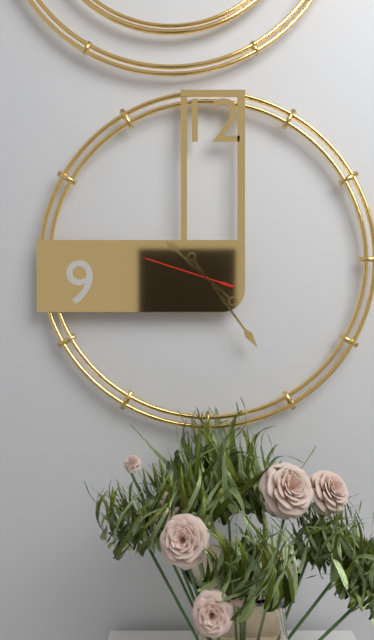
10:24:48
